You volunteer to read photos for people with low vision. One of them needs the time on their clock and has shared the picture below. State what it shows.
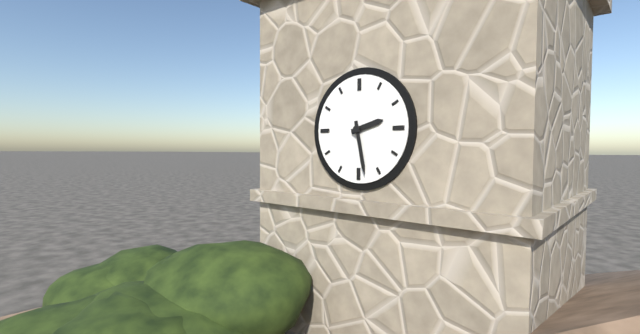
2:28
